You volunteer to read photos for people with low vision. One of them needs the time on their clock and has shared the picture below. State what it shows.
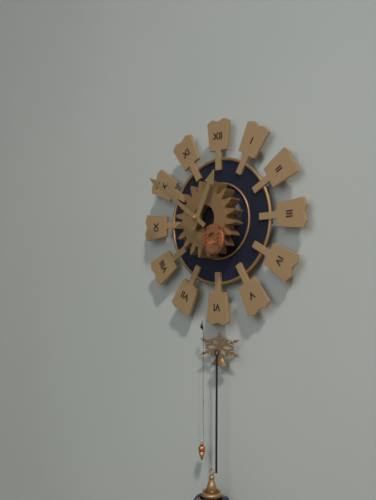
12:51
